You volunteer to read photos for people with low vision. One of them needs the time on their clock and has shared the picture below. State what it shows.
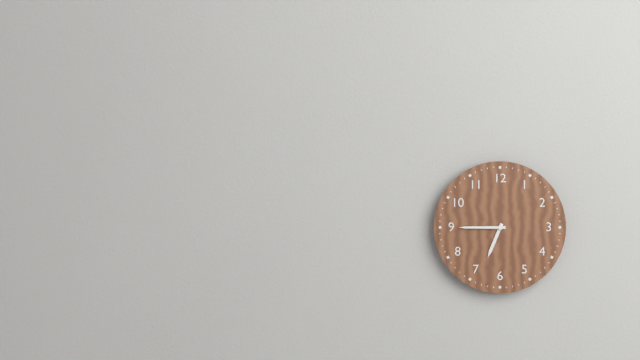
6:45
